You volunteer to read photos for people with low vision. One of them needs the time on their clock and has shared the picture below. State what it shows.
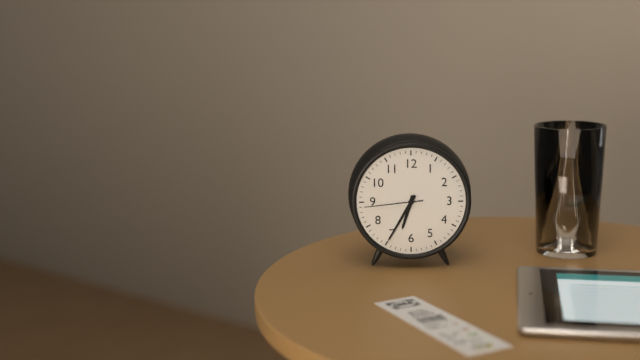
6:35:44
